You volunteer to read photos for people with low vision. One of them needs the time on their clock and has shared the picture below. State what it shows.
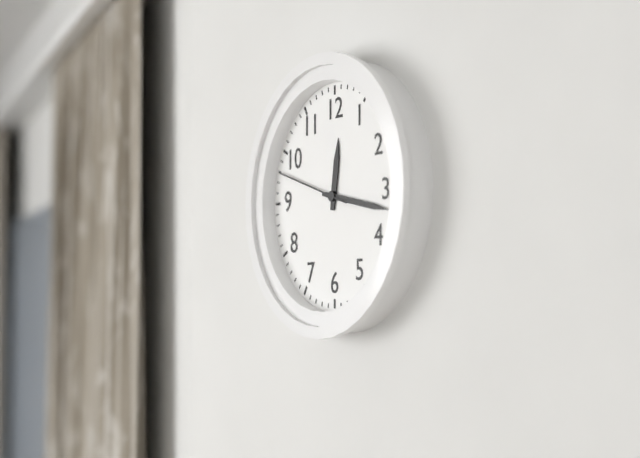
12:17:48
